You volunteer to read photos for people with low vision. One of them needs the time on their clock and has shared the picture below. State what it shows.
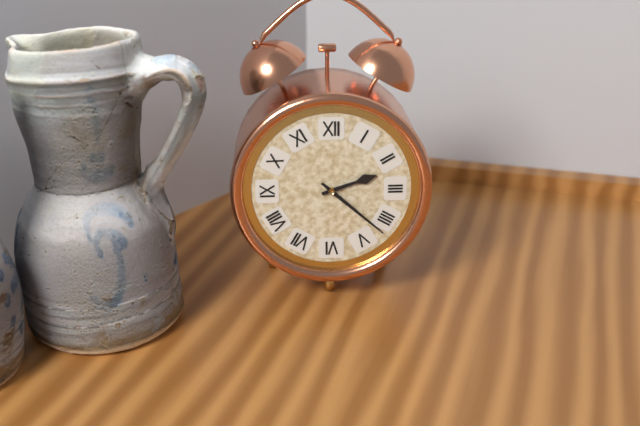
2:22
